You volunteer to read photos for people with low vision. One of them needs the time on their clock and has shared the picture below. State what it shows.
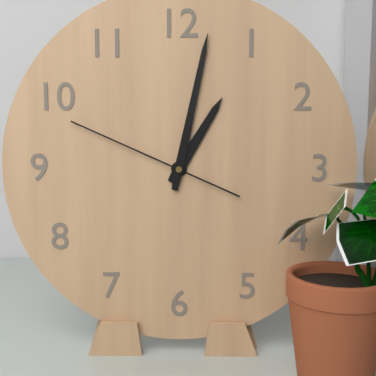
1:02:49
